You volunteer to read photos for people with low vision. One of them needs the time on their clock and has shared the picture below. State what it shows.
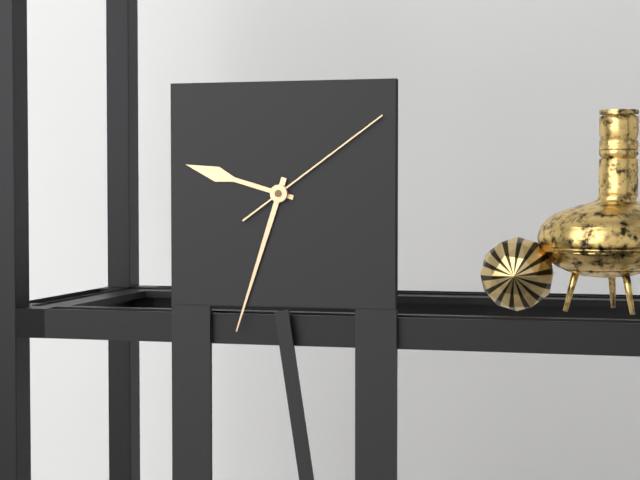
9:33:09
